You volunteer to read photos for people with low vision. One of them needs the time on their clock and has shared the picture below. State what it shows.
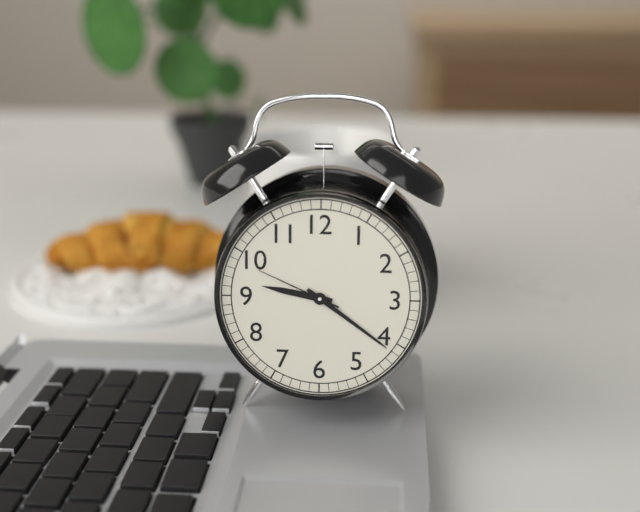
9:21:49
